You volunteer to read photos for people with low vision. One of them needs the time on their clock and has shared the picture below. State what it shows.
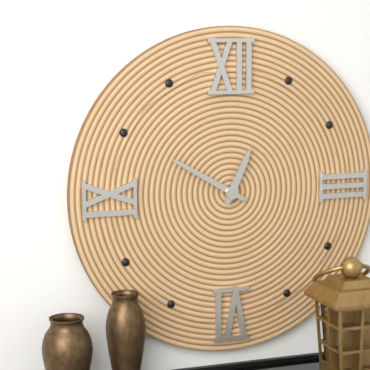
12:50
